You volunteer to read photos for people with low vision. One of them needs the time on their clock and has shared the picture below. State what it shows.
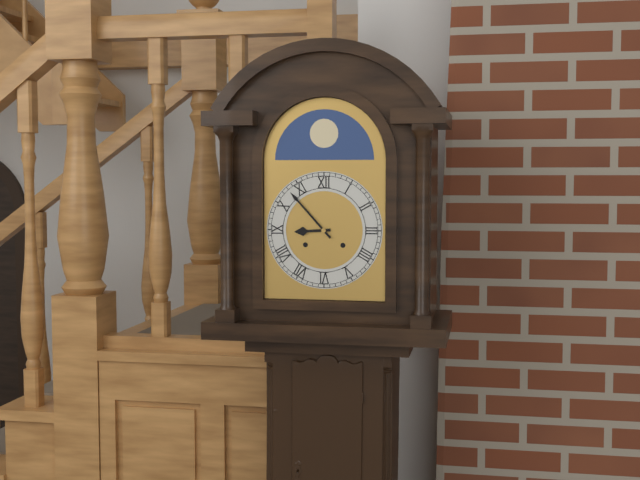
8:53
